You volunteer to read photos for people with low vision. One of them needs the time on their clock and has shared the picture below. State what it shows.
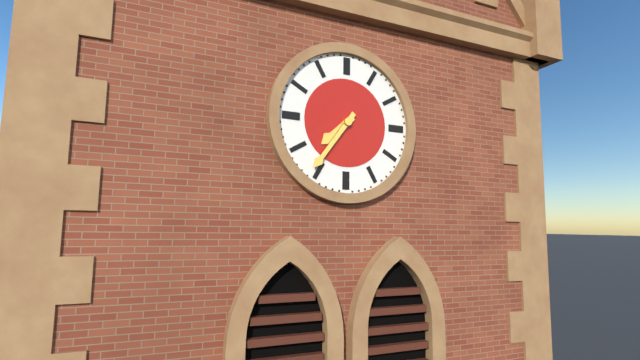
7:36
